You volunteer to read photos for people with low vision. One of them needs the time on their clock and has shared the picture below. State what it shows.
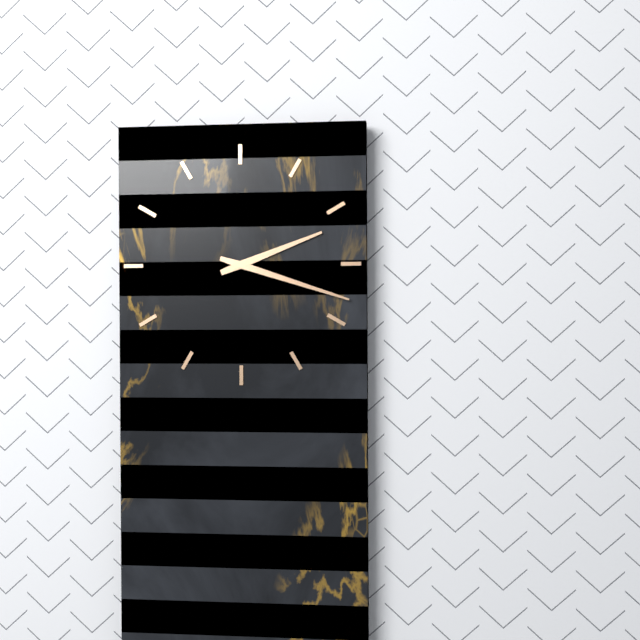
2:18
